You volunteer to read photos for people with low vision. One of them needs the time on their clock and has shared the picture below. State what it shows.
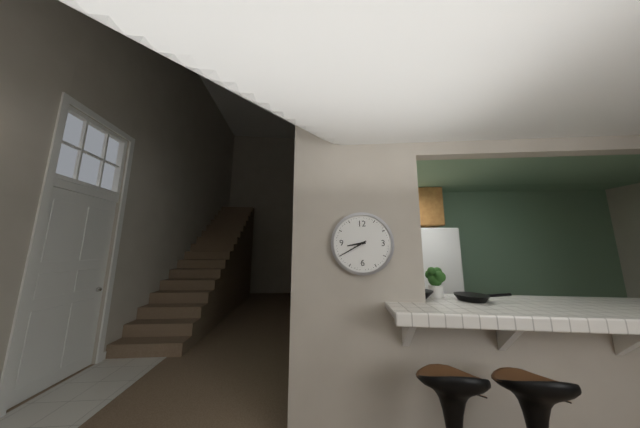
8:40
